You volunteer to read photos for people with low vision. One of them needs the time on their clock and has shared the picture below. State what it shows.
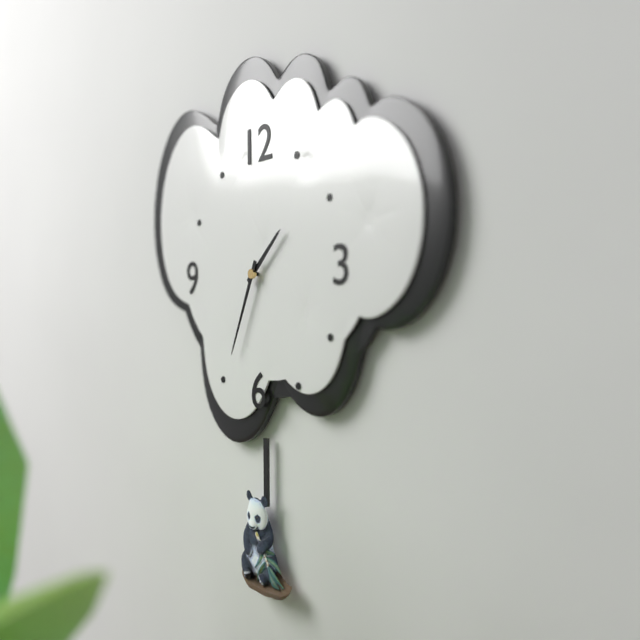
1:34
